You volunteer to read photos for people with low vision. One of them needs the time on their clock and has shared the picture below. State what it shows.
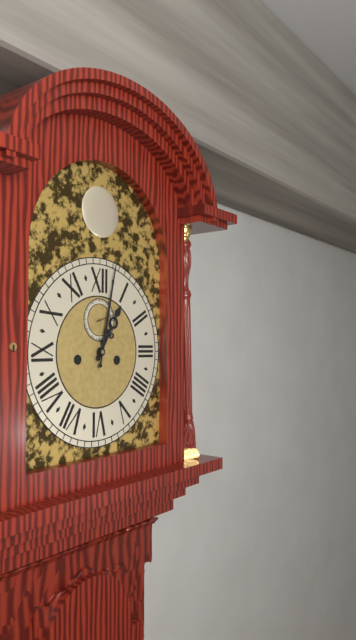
1:02
